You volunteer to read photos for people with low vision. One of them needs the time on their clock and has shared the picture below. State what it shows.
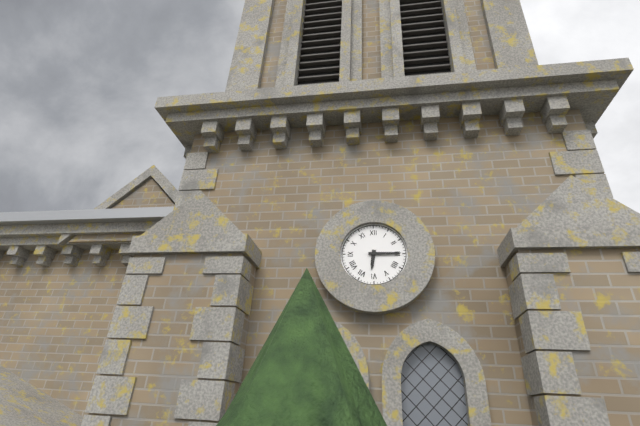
6:15
